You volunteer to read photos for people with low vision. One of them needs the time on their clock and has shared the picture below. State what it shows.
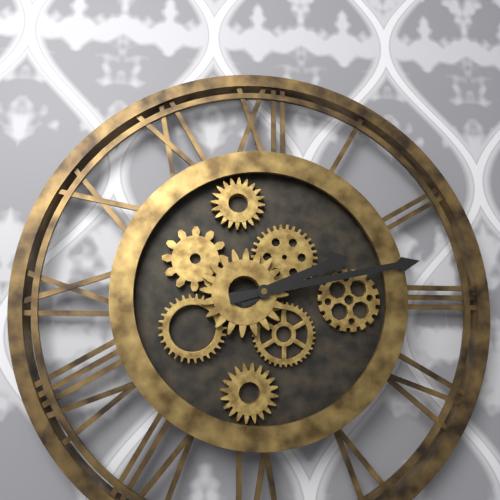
2:13
